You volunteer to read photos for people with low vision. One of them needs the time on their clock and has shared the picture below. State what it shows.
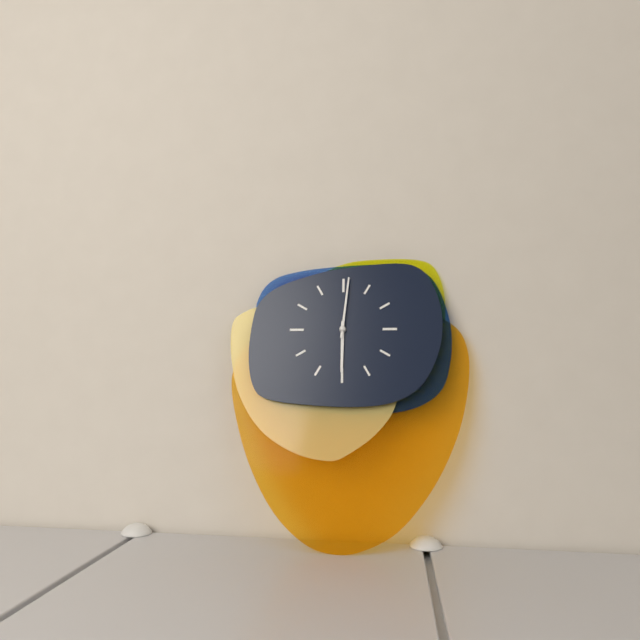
6:01
